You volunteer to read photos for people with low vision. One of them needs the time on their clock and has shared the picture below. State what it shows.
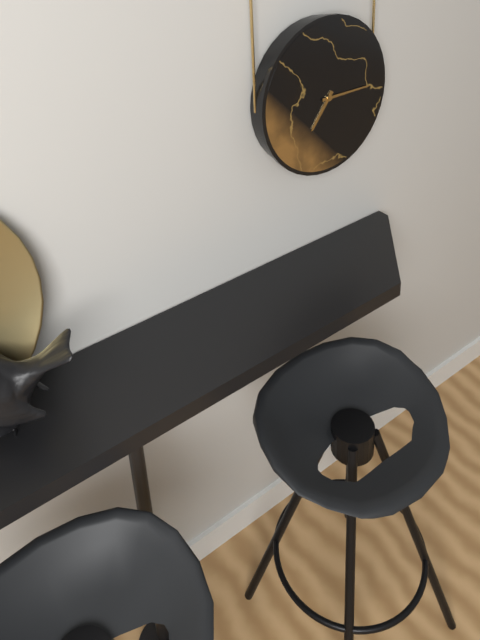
7:15
